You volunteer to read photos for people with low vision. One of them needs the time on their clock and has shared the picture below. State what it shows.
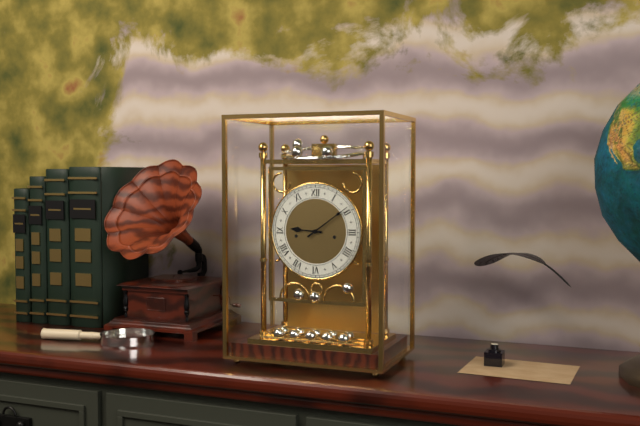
9:09
